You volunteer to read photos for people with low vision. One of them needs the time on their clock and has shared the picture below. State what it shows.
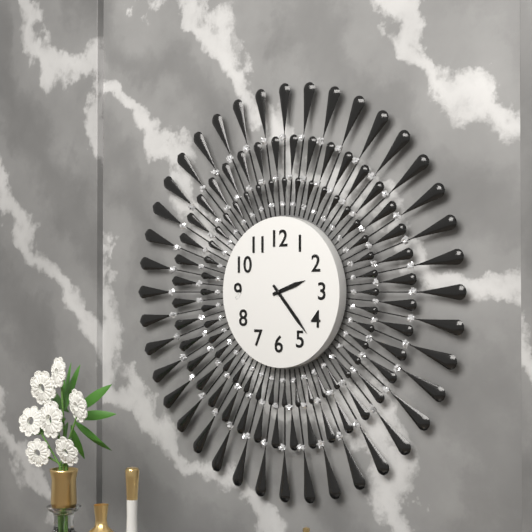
2:23
